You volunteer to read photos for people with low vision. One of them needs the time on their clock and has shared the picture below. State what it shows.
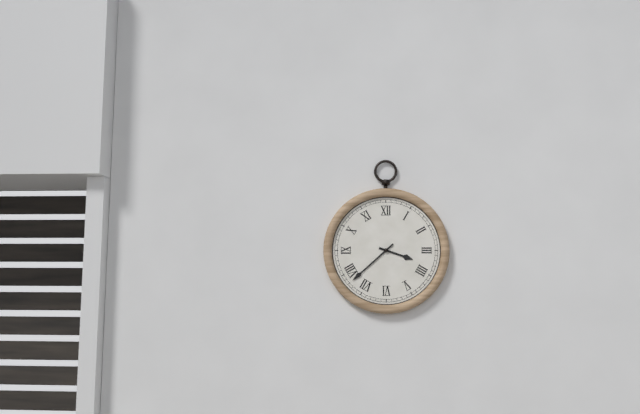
3:38
